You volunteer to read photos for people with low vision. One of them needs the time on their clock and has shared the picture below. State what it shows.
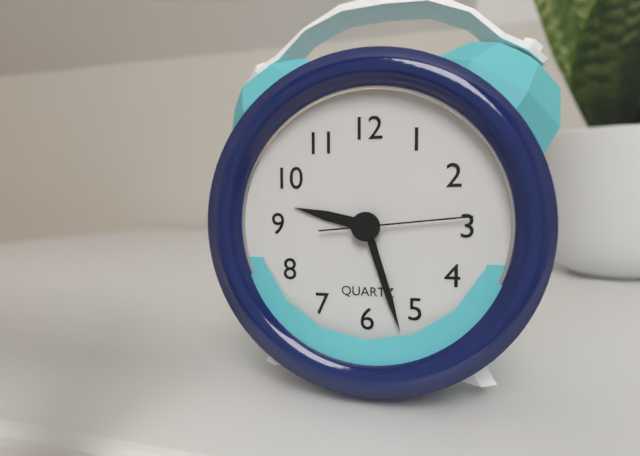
9:27:14
